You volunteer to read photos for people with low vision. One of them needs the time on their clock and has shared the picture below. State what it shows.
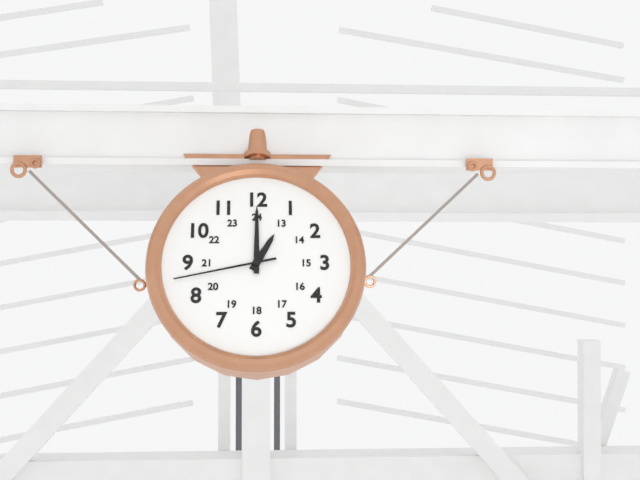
1:00:43
